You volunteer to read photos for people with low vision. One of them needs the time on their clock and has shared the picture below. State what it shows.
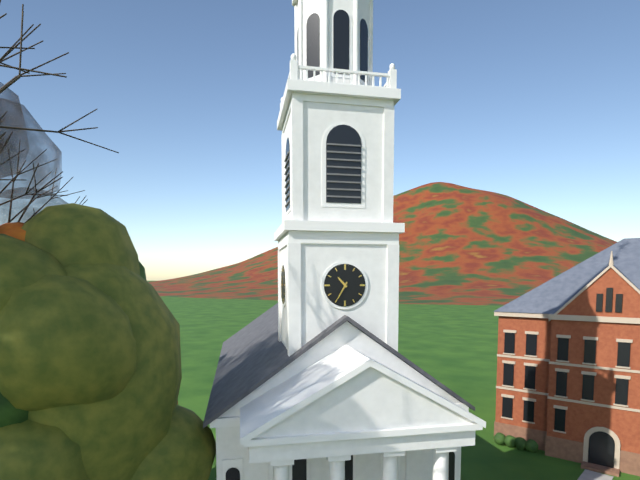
10:35
